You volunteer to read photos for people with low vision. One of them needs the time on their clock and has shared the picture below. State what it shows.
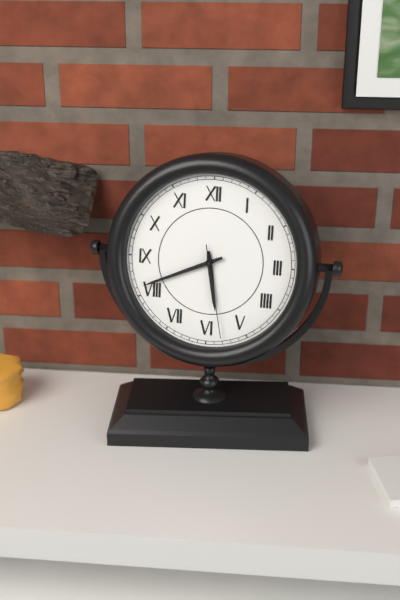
5:41:28
